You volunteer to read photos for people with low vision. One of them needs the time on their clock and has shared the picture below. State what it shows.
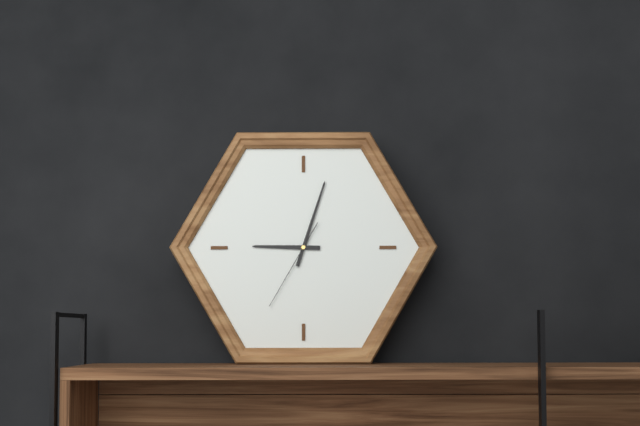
9:03:35
